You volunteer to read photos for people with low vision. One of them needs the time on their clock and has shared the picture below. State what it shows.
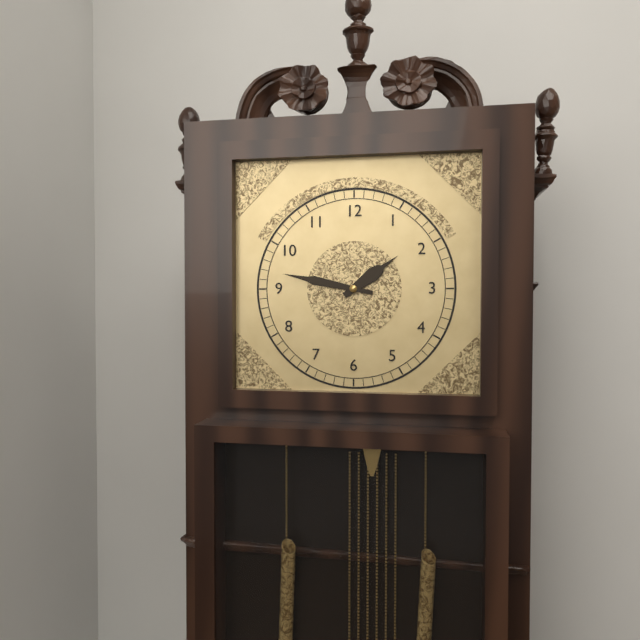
1:47
